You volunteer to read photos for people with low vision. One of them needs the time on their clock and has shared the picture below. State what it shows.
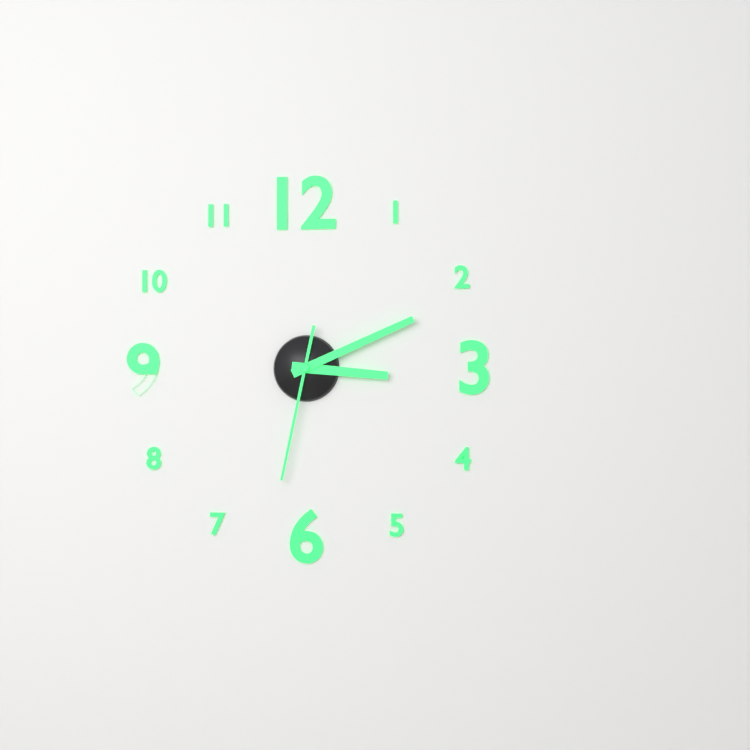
3:11:32
